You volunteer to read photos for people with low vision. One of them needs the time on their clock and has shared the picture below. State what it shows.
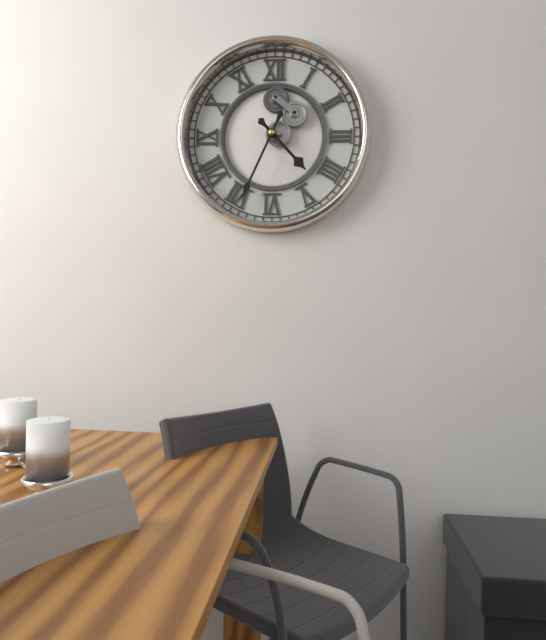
4:34
